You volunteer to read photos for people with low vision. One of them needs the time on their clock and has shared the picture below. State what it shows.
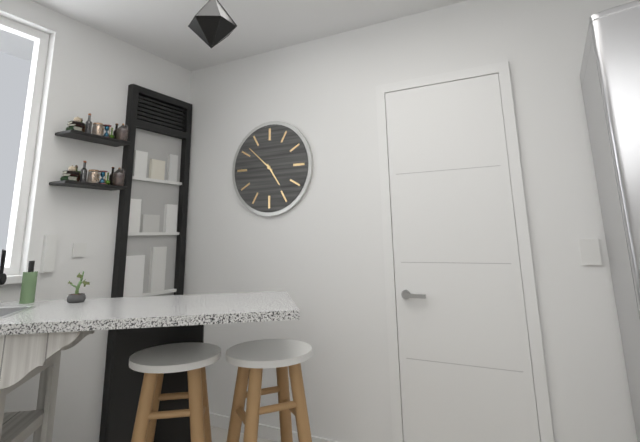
4:52
